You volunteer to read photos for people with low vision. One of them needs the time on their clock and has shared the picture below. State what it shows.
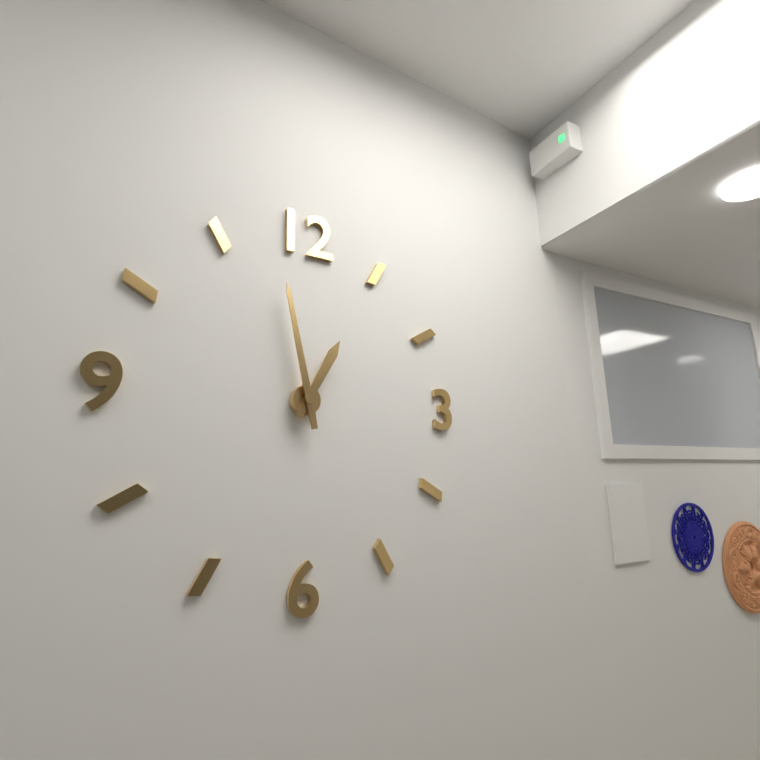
12:58
